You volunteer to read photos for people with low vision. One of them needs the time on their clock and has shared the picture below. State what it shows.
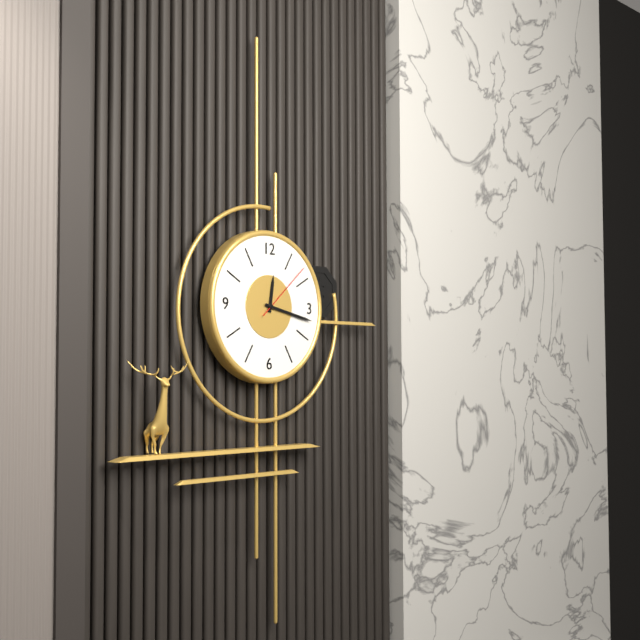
12:17:08
